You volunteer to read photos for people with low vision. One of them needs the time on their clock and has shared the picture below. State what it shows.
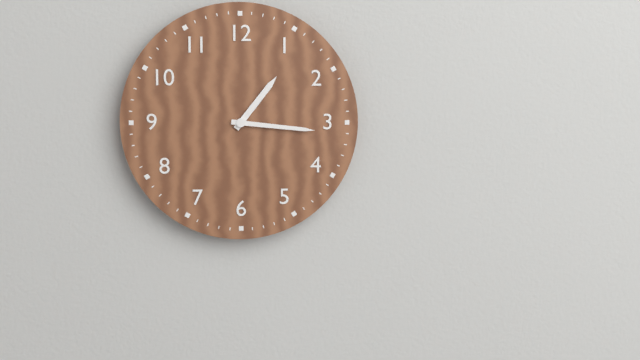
1:16
